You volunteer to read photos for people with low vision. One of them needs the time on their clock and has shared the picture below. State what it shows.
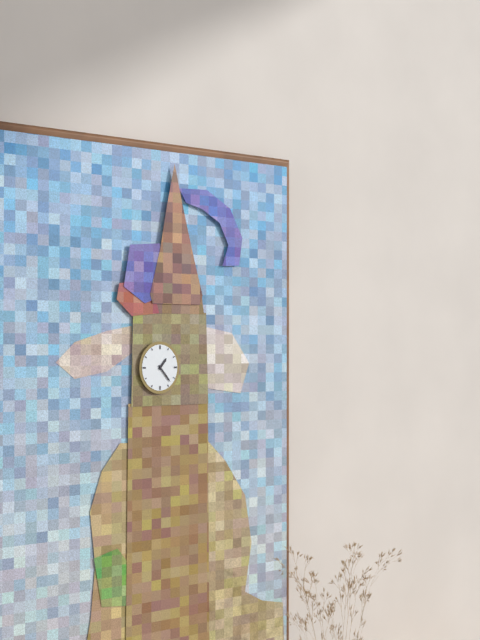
1:23
